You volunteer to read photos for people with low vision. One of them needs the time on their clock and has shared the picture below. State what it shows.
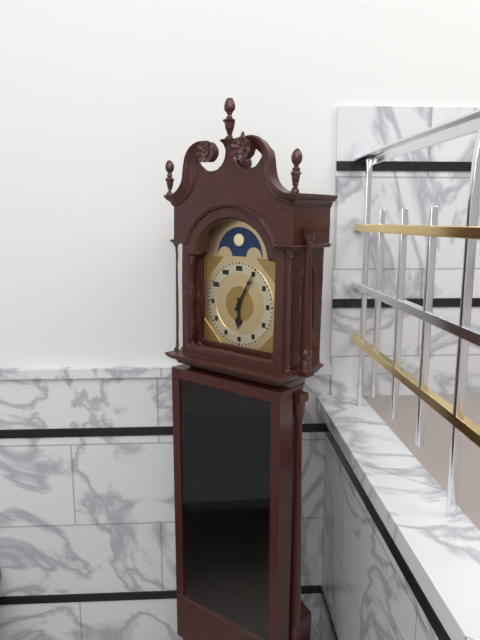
6:05
